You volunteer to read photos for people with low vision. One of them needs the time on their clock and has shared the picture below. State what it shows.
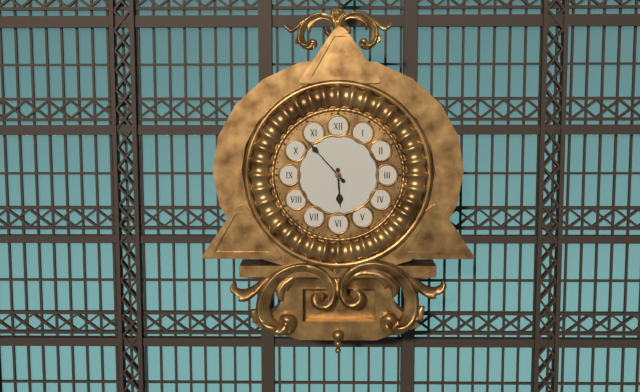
5:53
